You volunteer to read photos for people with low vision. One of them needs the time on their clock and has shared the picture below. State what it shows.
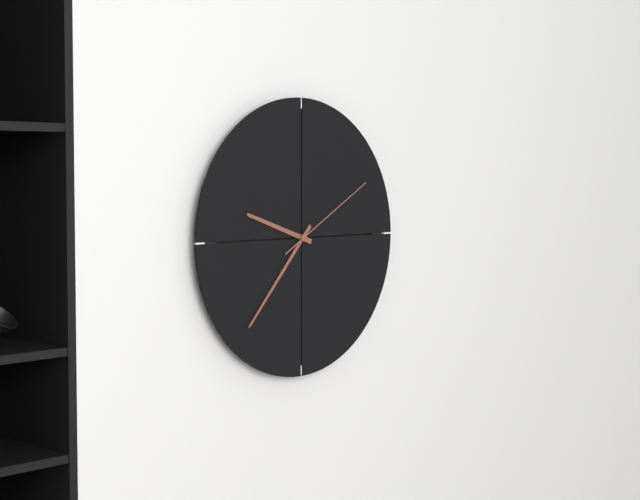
9:37:10
